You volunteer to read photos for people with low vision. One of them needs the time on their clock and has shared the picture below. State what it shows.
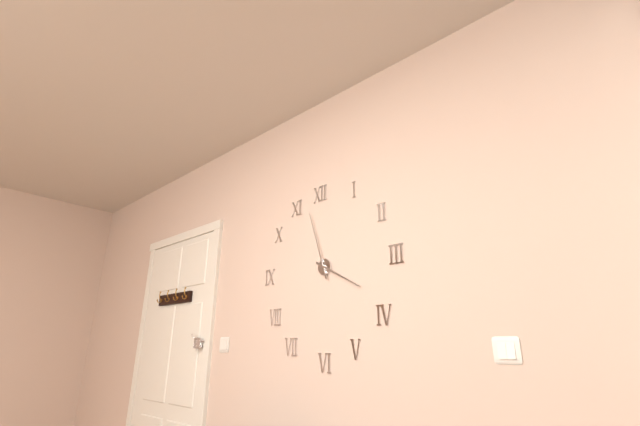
3:57
